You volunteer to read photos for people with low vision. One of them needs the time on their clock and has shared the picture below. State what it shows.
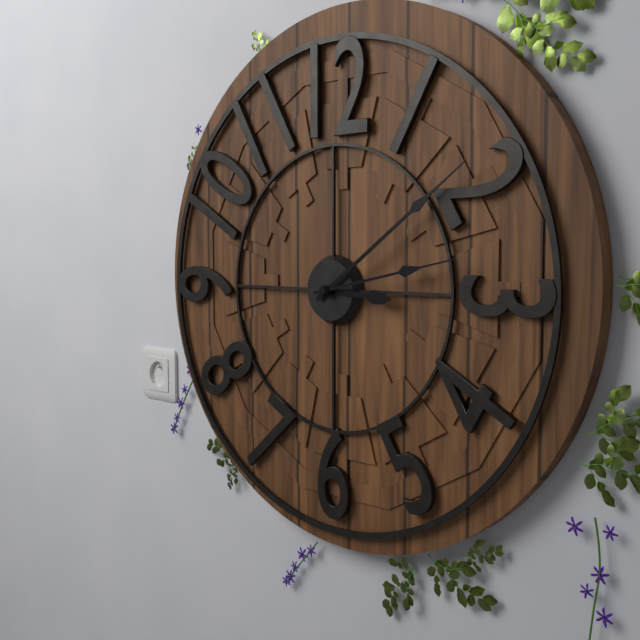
3:09:13
